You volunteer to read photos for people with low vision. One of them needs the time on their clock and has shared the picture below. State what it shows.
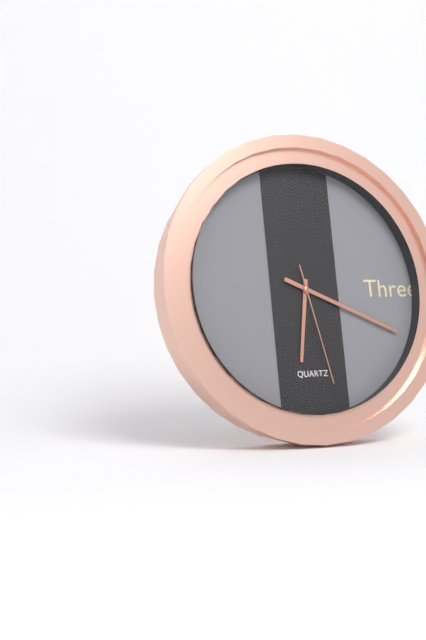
6:19:28
